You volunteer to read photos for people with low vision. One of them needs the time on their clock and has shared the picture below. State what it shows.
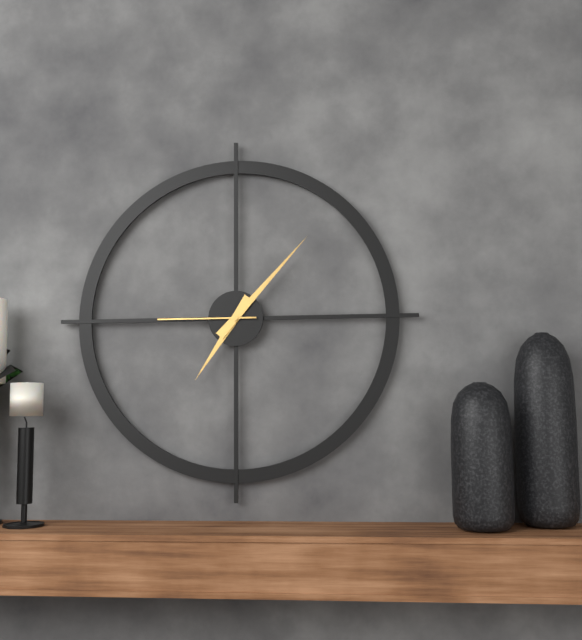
7:07:45
